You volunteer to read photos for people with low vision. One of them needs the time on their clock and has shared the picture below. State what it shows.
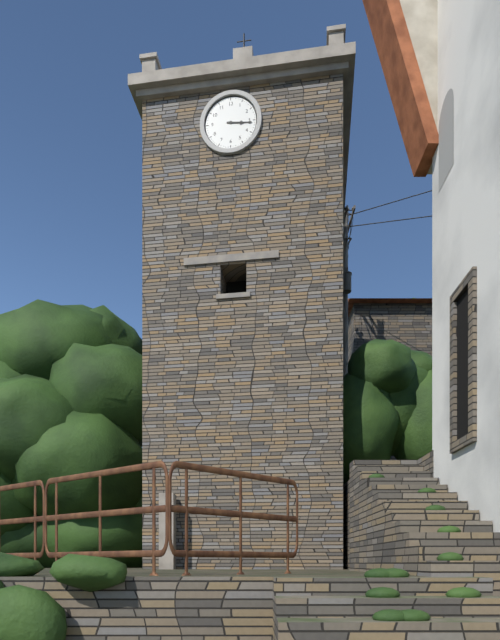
3:16
